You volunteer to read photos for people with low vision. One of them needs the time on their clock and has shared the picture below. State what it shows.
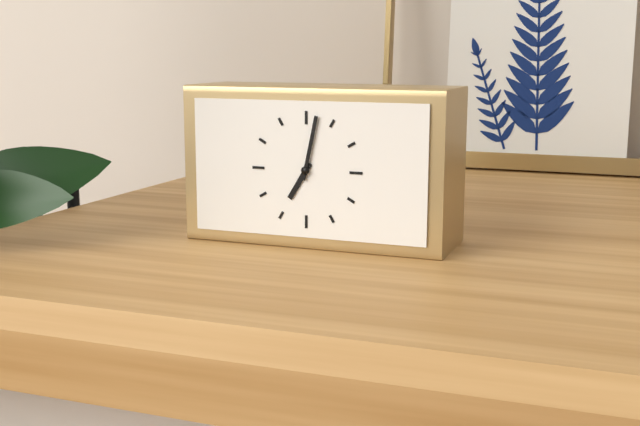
7:02
